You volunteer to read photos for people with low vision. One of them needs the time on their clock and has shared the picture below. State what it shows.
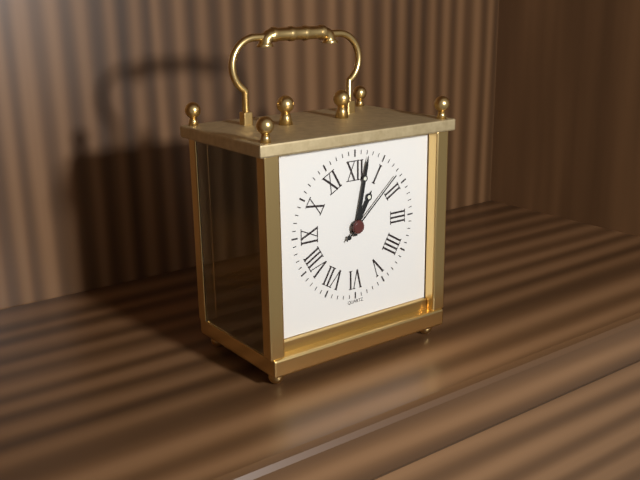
1:02:08
